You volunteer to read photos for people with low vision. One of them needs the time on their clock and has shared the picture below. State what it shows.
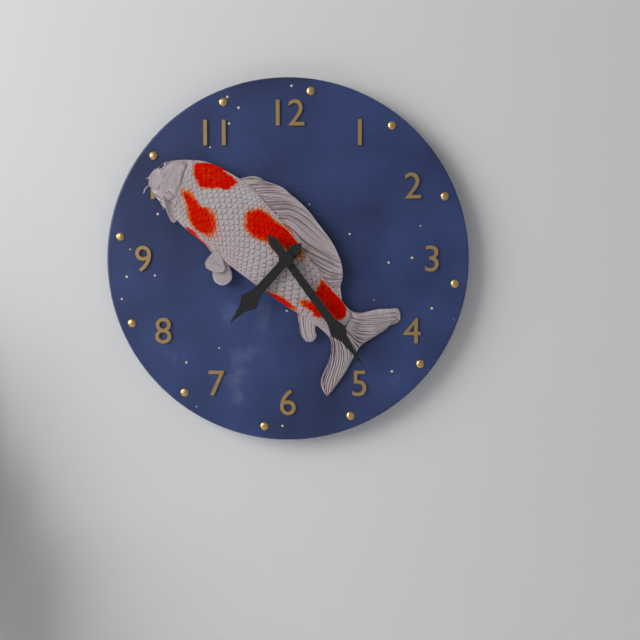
7:24
